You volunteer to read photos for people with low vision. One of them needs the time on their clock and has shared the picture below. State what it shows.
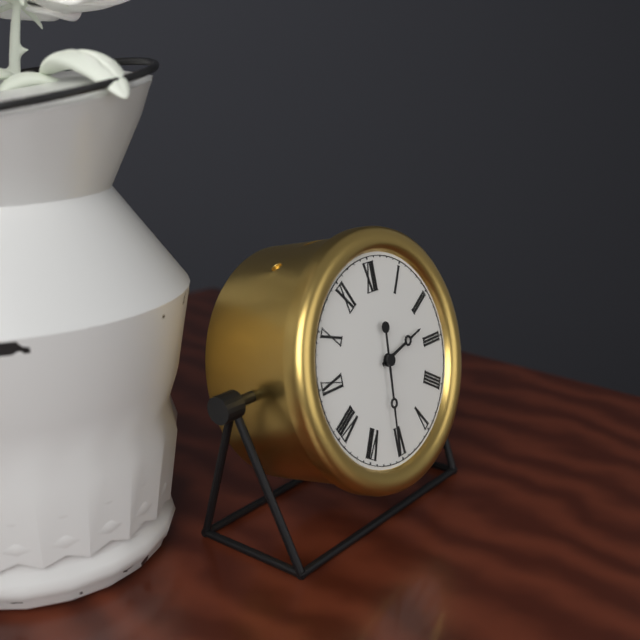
2:31
